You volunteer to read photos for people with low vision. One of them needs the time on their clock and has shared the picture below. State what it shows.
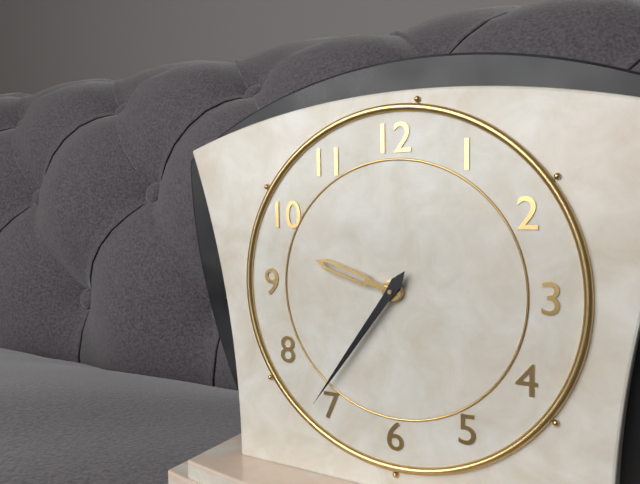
9:36
